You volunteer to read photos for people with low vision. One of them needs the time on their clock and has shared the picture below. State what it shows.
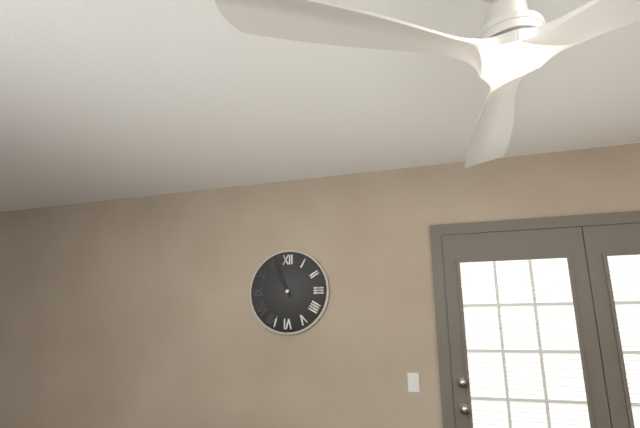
10:56
